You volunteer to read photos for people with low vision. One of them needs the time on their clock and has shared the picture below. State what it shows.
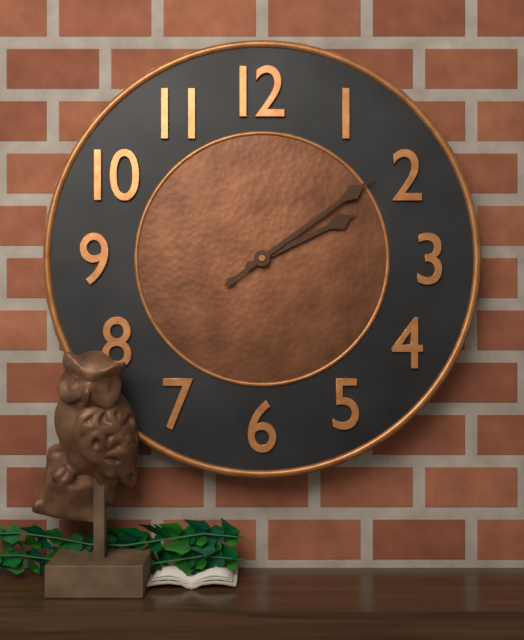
2:09
